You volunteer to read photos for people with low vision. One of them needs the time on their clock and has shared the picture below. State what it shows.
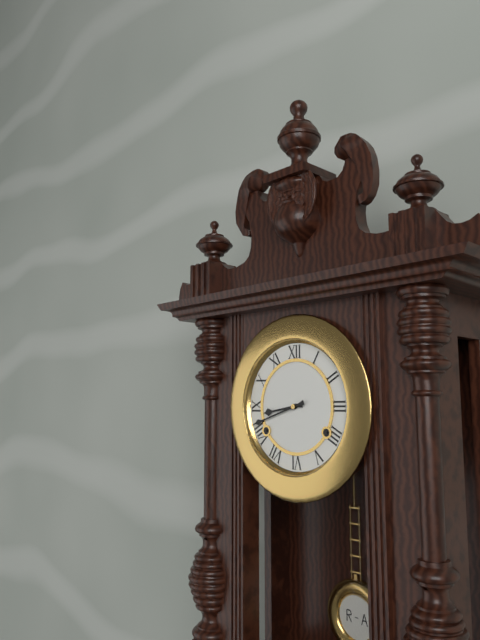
8:42
